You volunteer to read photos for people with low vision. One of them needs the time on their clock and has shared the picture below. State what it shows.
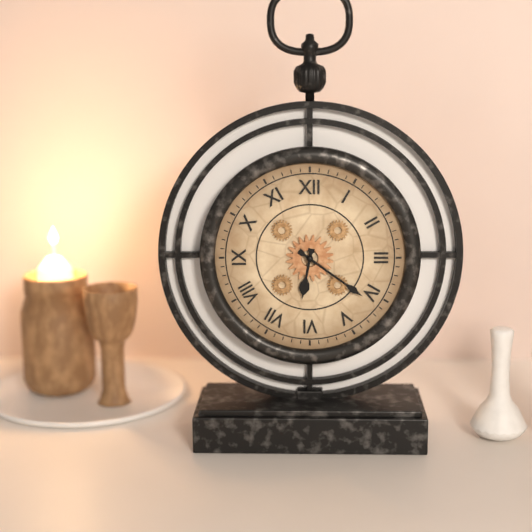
6:21
